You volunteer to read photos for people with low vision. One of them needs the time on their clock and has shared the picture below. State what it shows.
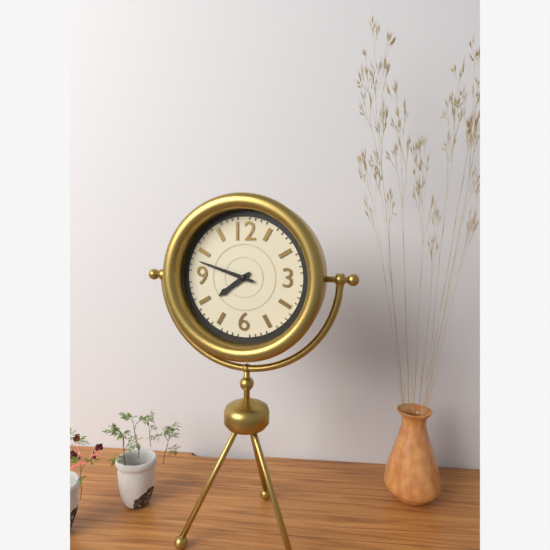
7:48
